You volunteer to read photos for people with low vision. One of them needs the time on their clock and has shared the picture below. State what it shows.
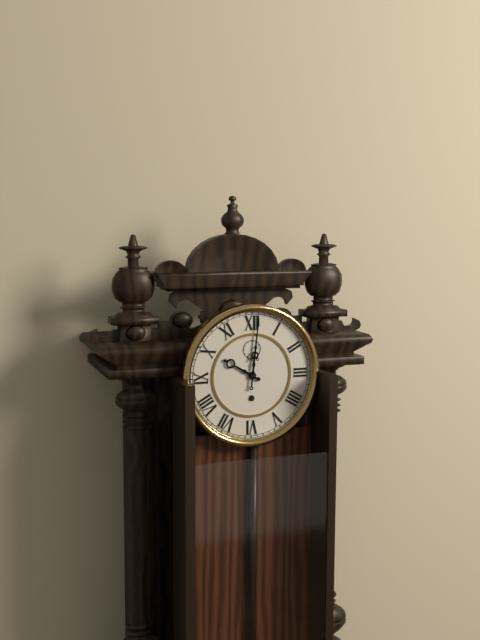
10:01
